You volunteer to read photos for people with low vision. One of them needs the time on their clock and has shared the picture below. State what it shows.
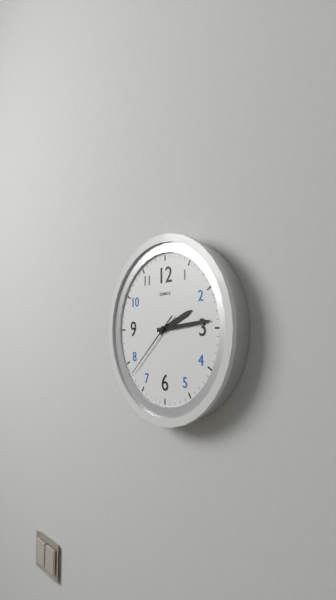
2:14:38
